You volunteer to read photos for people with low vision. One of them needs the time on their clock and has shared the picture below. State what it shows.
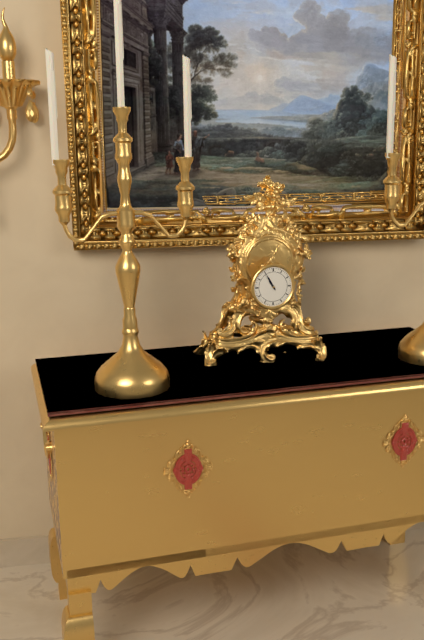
10:55
